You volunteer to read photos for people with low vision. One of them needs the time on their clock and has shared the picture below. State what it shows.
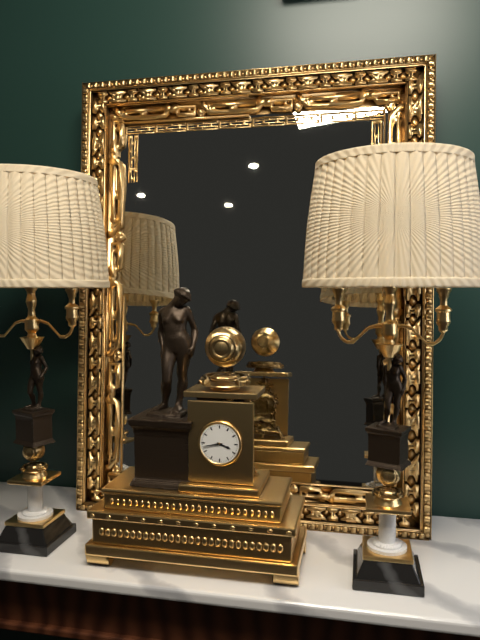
3:43
